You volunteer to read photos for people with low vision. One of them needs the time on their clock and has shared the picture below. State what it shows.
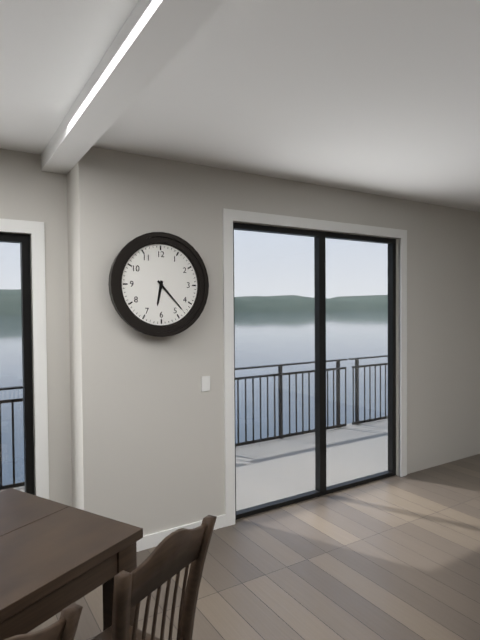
6:23
